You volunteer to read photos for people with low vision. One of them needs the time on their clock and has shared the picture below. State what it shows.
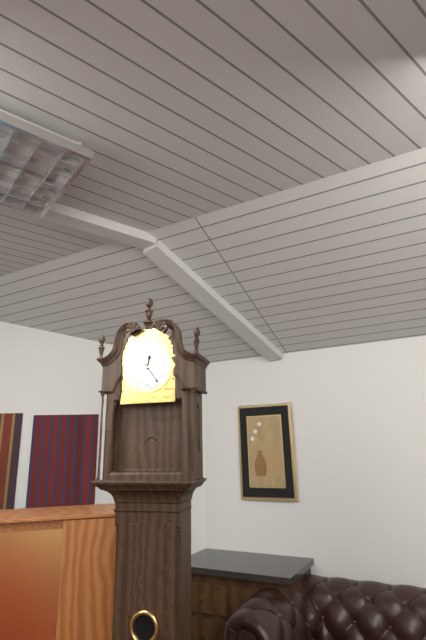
12:24
